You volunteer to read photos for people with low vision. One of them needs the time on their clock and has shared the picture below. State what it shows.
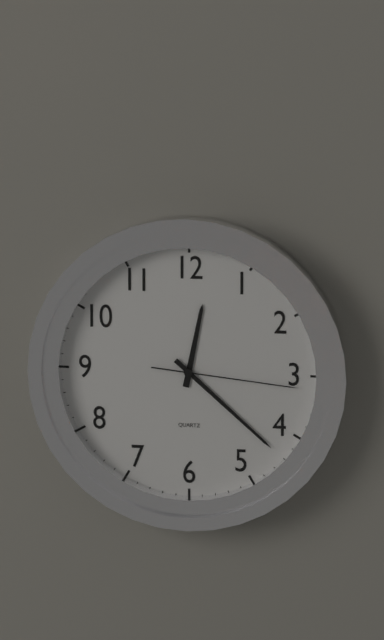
12:22:16
